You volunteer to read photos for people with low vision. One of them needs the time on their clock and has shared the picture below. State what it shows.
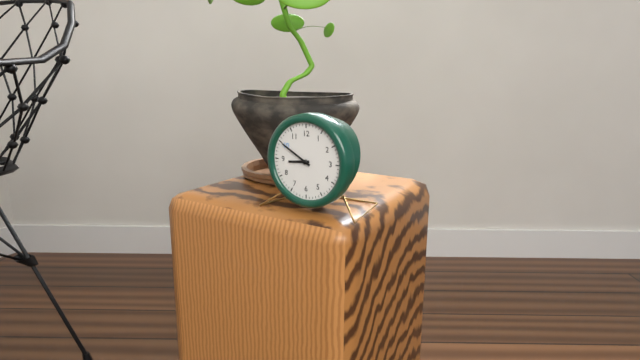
8:50
